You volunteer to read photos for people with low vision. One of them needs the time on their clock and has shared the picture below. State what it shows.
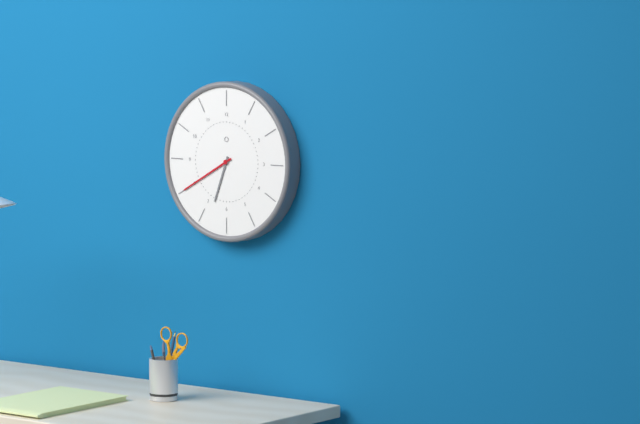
6:40
